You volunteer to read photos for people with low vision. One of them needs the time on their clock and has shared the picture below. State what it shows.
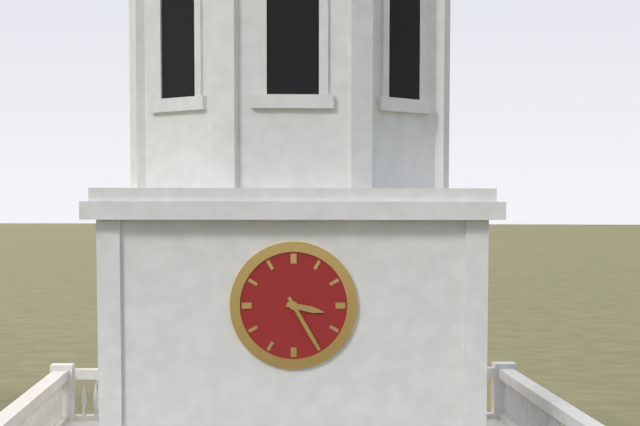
3:25
